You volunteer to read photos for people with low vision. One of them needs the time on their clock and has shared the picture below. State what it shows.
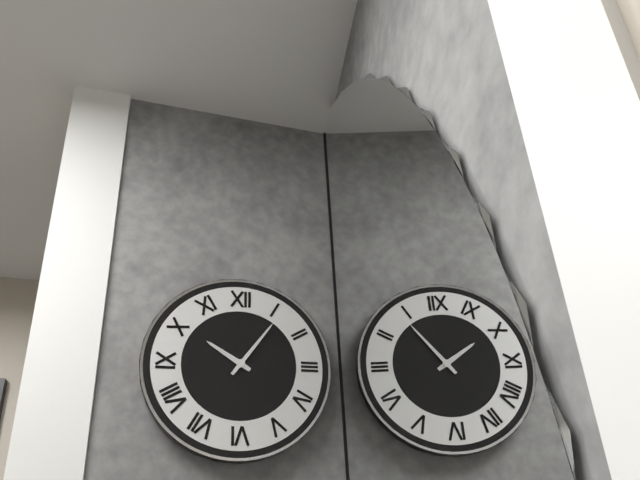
10:06
